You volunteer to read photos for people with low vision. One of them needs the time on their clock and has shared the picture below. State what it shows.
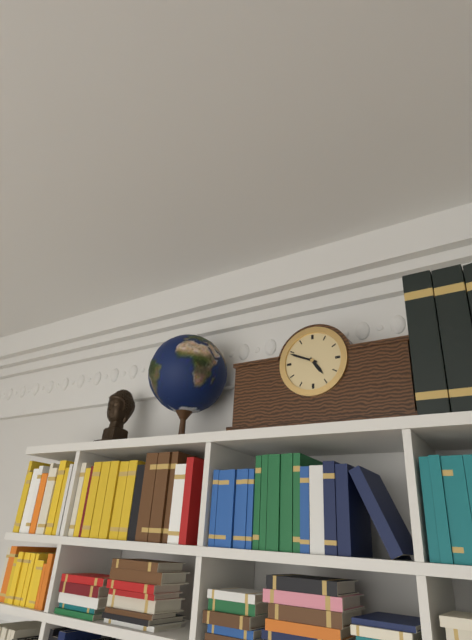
4:49
